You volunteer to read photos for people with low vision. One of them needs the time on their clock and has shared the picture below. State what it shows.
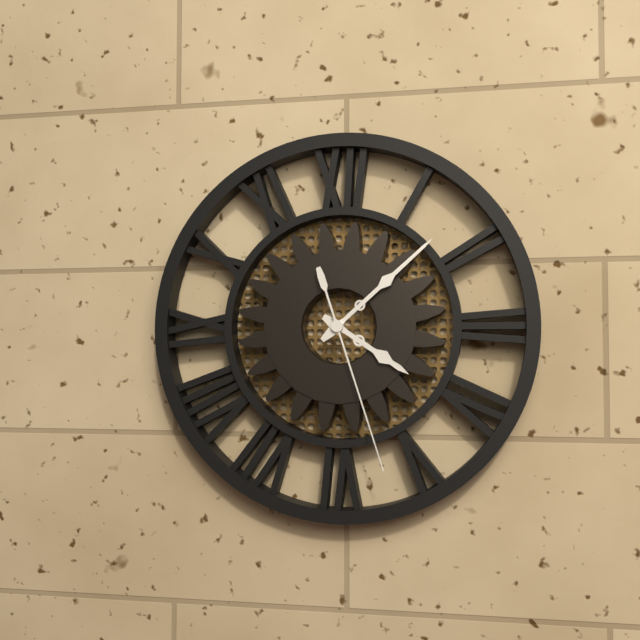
4:08:27
